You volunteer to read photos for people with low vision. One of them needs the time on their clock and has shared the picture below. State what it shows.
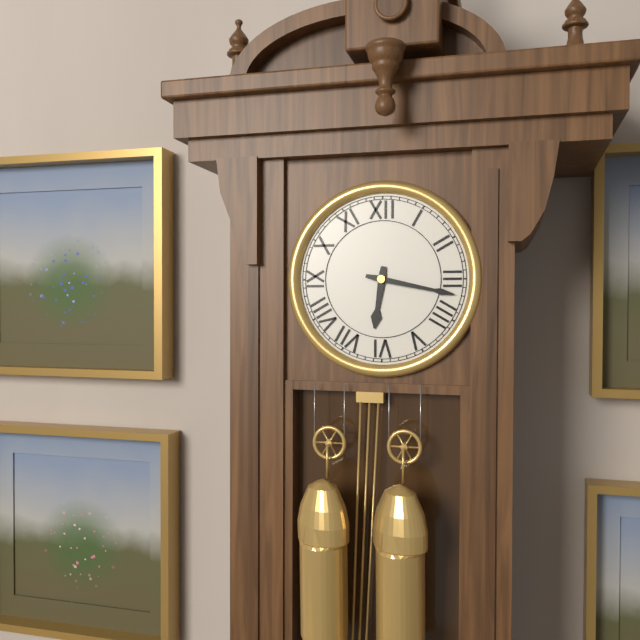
6:17
